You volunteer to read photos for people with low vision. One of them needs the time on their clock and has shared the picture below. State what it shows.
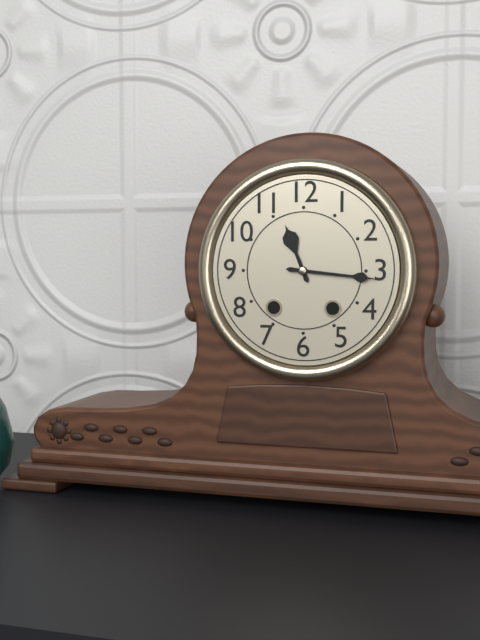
11:16
